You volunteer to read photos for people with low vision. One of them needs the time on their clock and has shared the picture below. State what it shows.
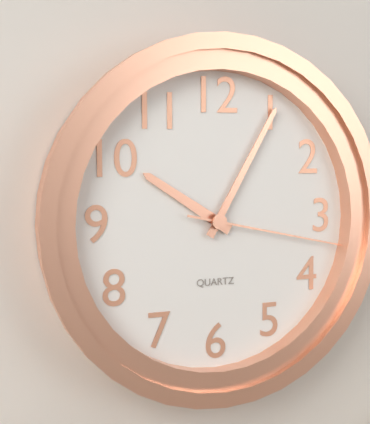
10:05:17
